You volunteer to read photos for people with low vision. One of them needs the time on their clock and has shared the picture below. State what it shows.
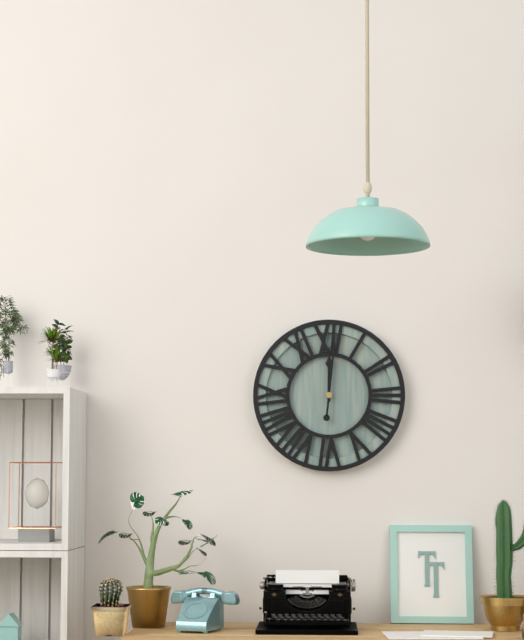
12:01
